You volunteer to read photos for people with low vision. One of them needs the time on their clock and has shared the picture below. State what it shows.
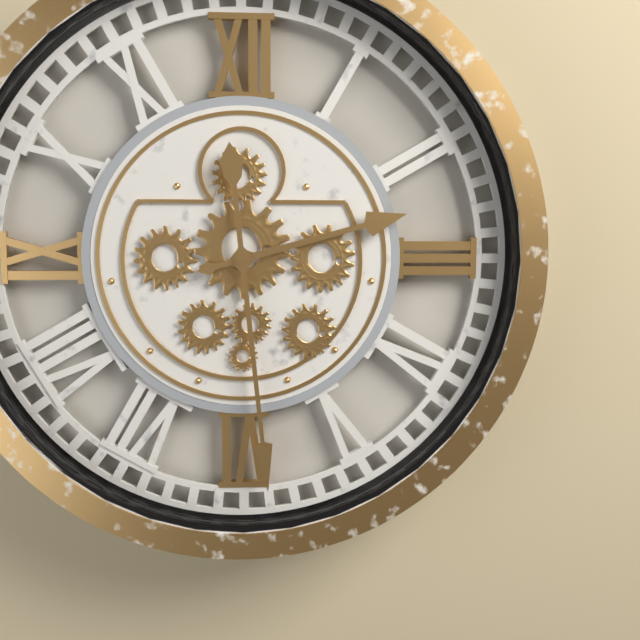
2:29
